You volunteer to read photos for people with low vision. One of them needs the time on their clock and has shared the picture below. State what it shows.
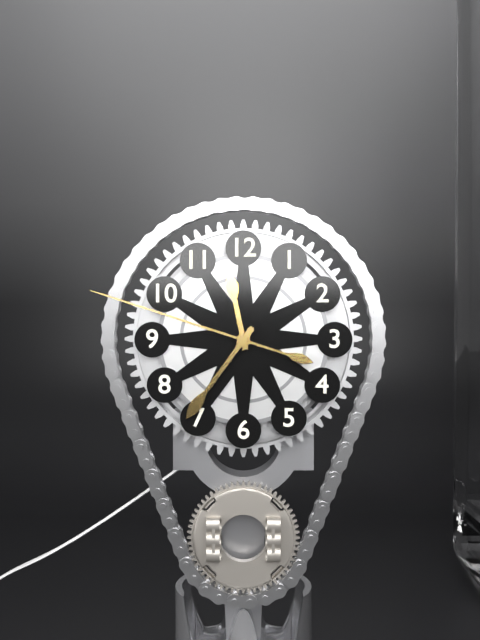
11:36:48
